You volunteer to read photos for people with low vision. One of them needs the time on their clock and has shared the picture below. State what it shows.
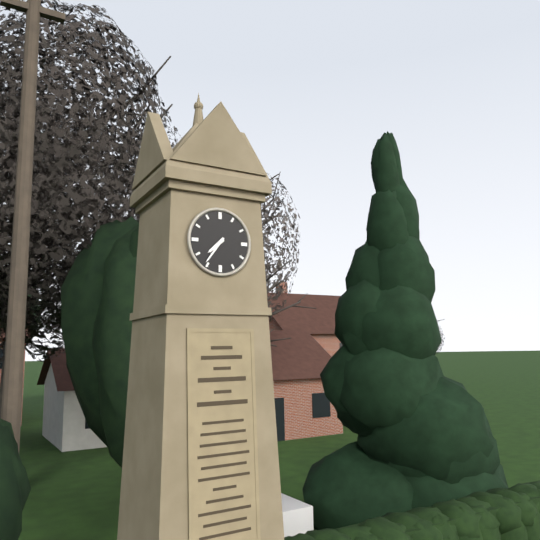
7:36
